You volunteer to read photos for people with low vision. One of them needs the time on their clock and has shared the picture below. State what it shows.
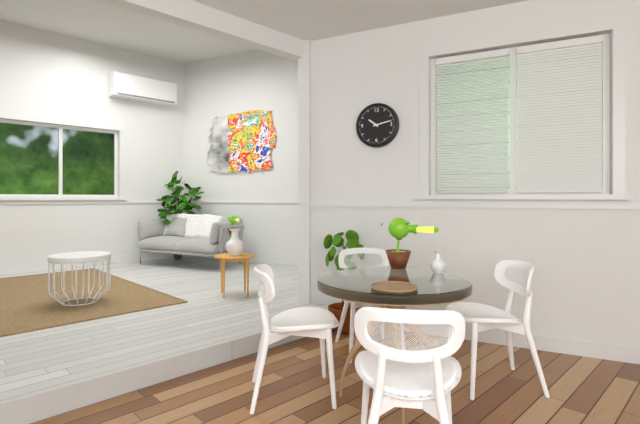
10:13
